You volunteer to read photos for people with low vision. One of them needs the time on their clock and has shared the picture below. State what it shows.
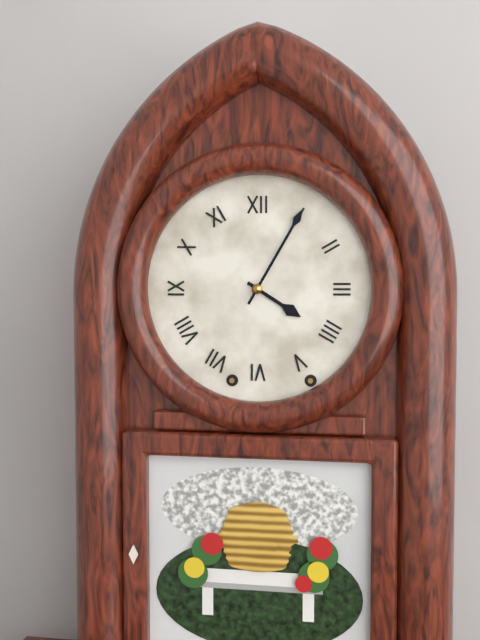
4:05
